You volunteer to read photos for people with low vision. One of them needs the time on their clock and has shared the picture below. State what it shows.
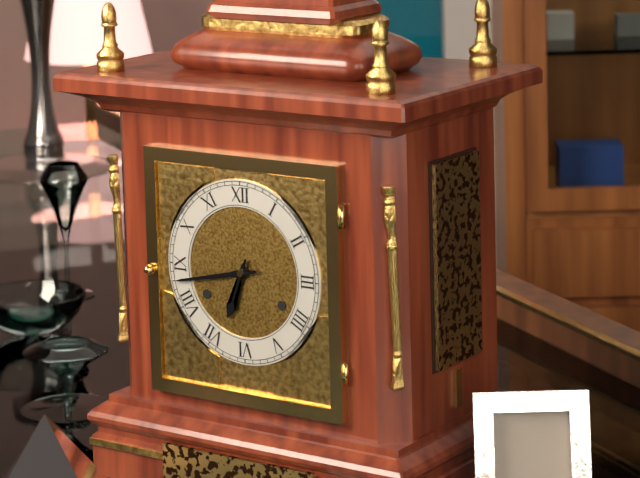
6:43
